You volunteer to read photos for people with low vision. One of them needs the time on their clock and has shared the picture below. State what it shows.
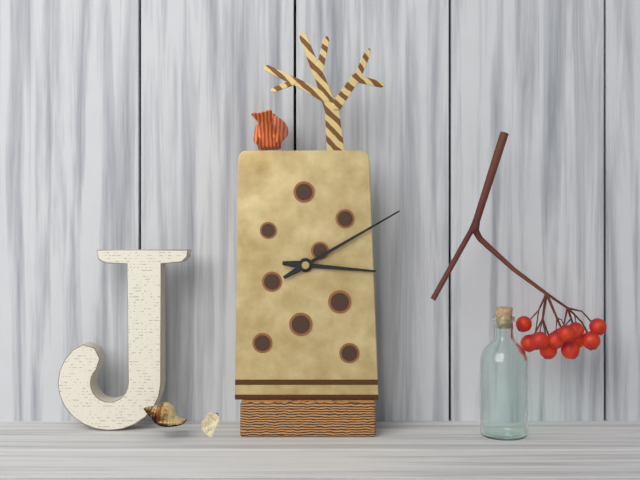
3:10
